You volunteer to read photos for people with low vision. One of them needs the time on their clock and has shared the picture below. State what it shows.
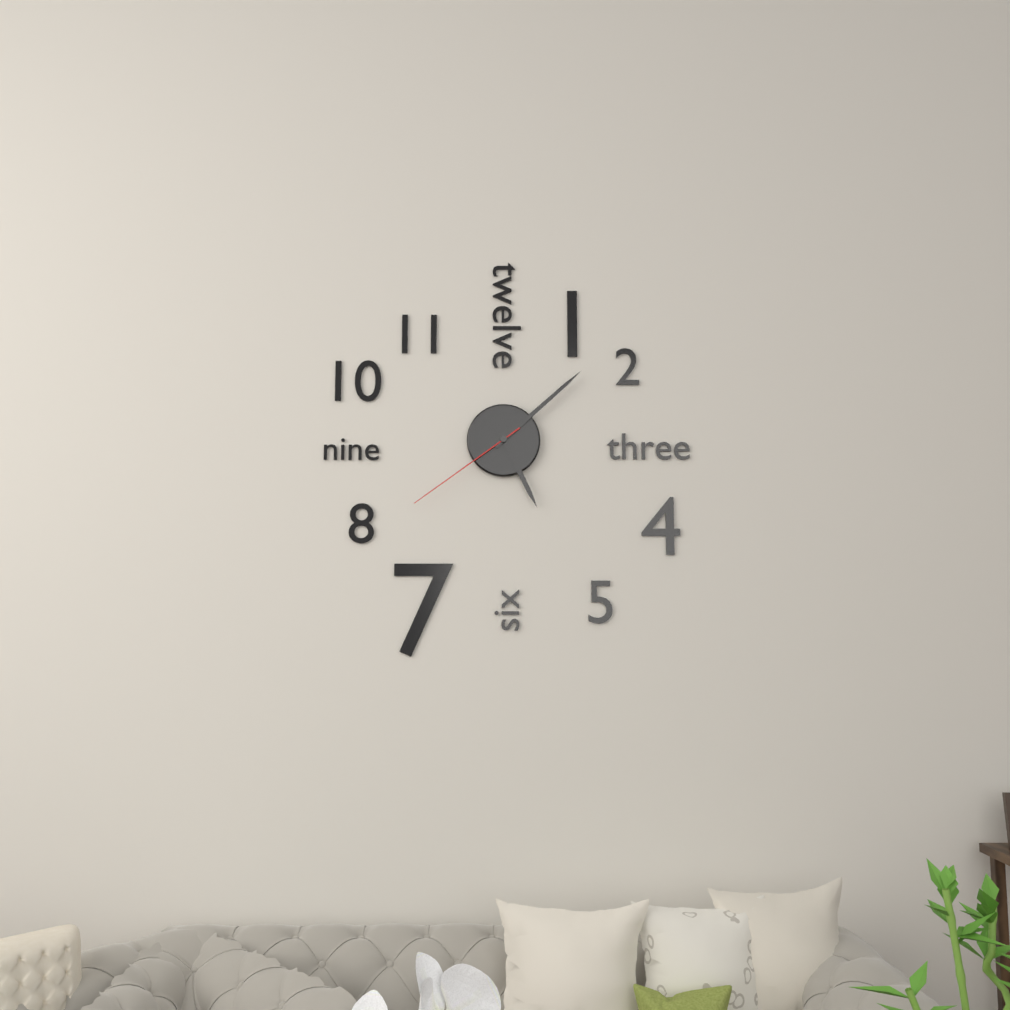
5:08:39
